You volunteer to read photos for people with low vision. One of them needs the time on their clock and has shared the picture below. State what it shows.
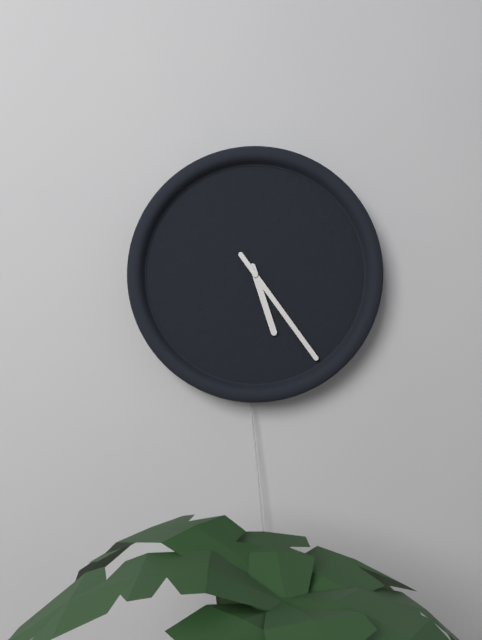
5:24
